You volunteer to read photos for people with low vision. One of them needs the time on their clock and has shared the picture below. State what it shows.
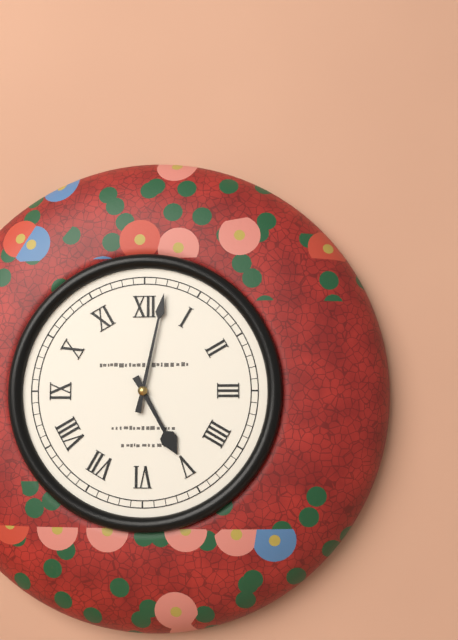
5:02
